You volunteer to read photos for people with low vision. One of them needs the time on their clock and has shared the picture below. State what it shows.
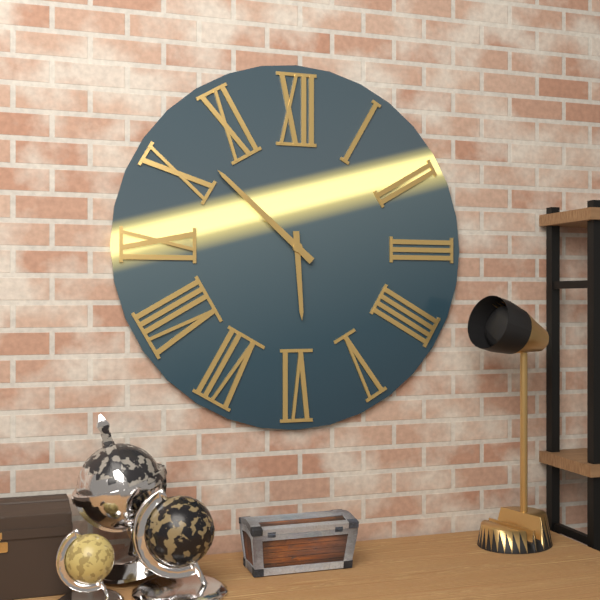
5:52
